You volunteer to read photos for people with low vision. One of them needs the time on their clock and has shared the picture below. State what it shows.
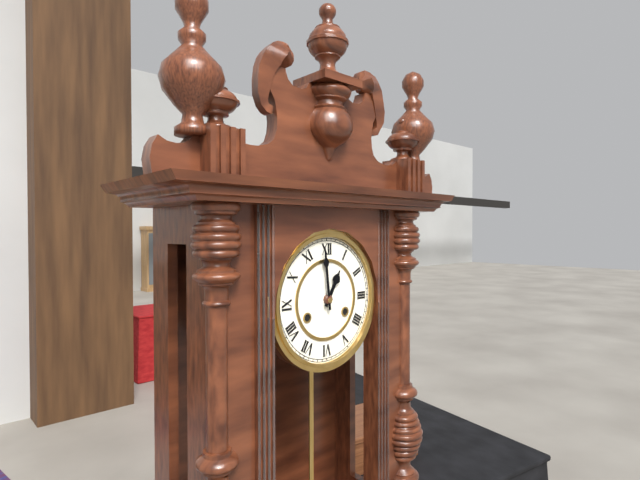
12:59
